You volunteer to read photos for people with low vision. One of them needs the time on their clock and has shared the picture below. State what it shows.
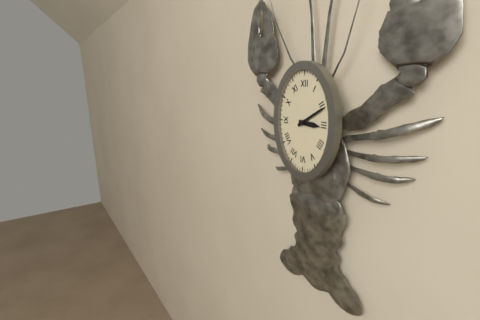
3:10
